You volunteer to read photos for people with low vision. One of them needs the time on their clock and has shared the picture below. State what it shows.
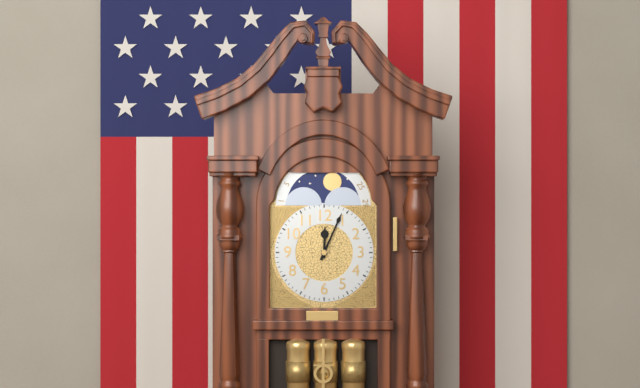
12:04
